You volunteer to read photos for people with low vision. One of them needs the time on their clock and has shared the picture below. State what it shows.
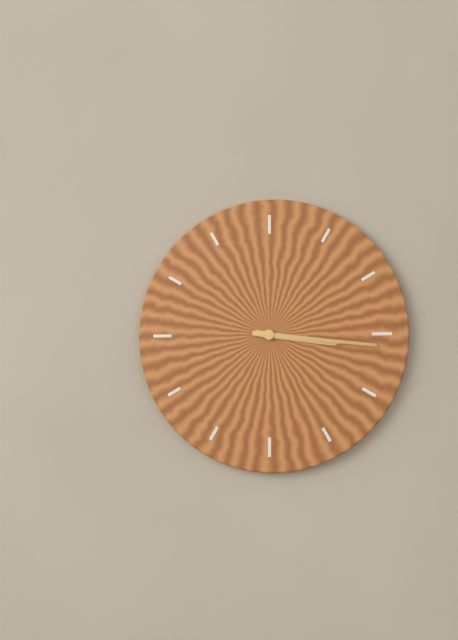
3:16
